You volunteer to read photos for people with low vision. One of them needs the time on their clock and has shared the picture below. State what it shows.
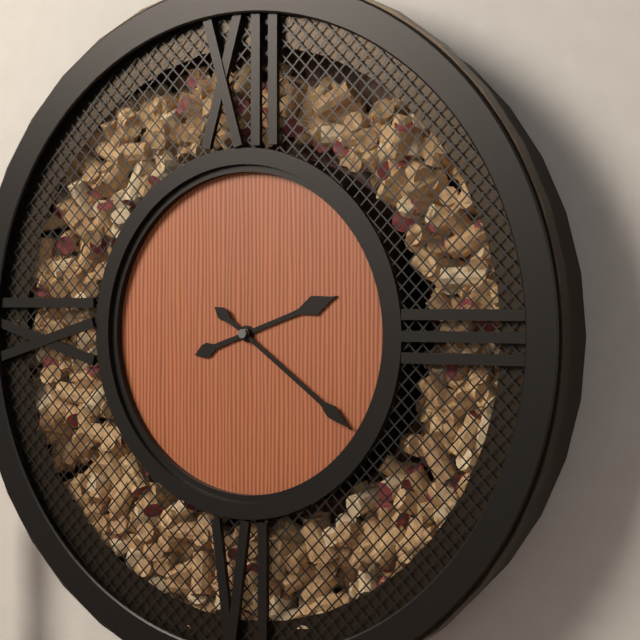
2:21
